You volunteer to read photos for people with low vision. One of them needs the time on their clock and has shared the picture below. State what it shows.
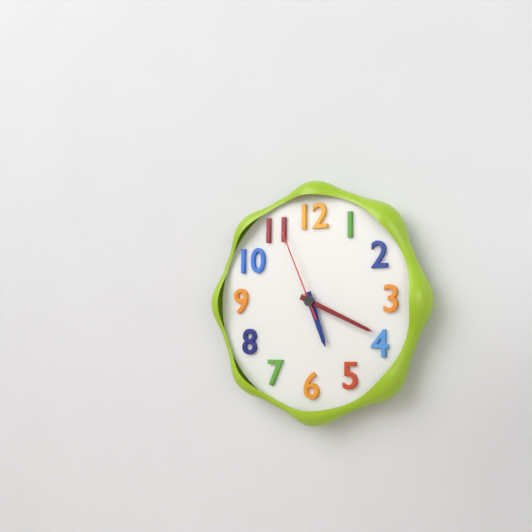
5:19:56
